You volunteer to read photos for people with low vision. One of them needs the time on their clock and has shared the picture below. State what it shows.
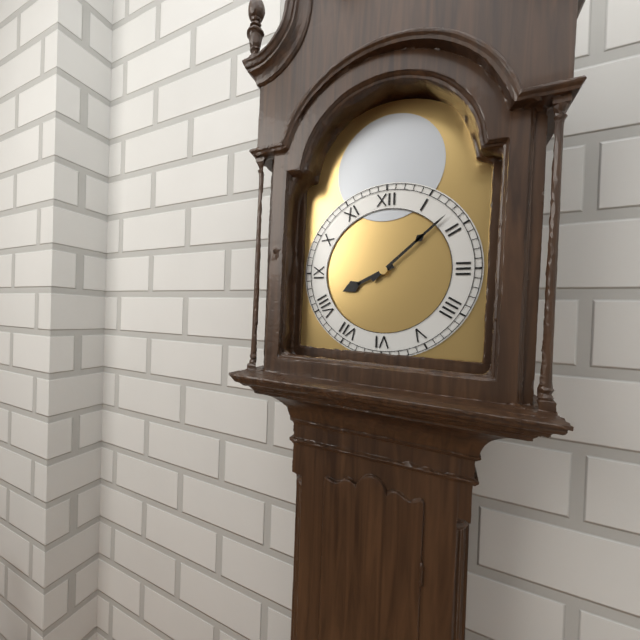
8:08
